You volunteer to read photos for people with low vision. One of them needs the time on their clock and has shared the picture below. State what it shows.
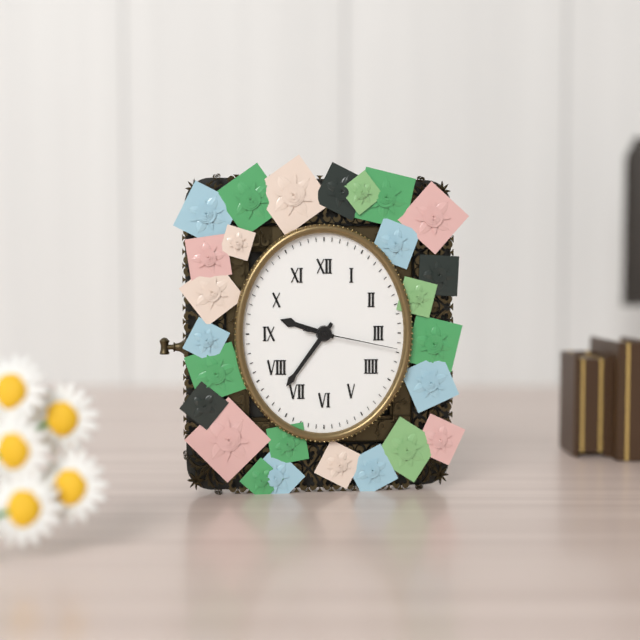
9:36:17
